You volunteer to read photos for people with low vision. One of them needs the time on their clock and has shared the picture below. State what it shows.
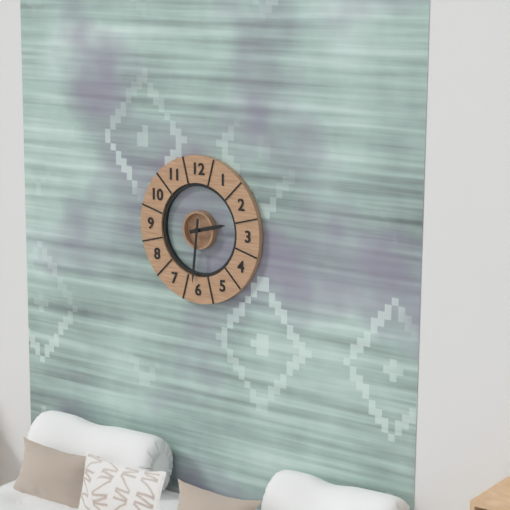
2:31
